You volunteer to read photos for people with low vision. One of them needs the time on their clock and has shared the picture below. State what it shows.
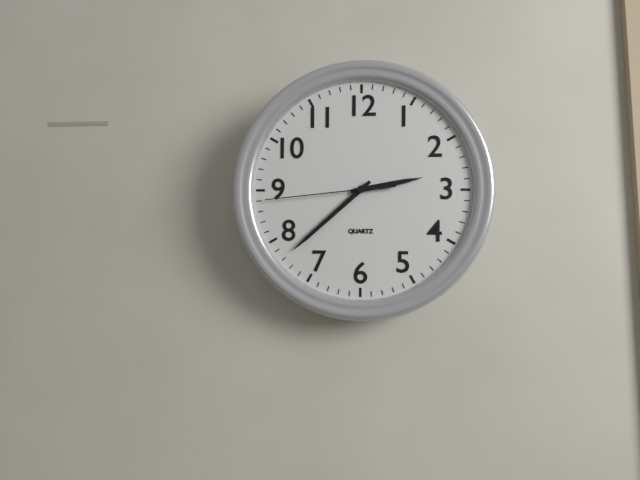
2:38:44
